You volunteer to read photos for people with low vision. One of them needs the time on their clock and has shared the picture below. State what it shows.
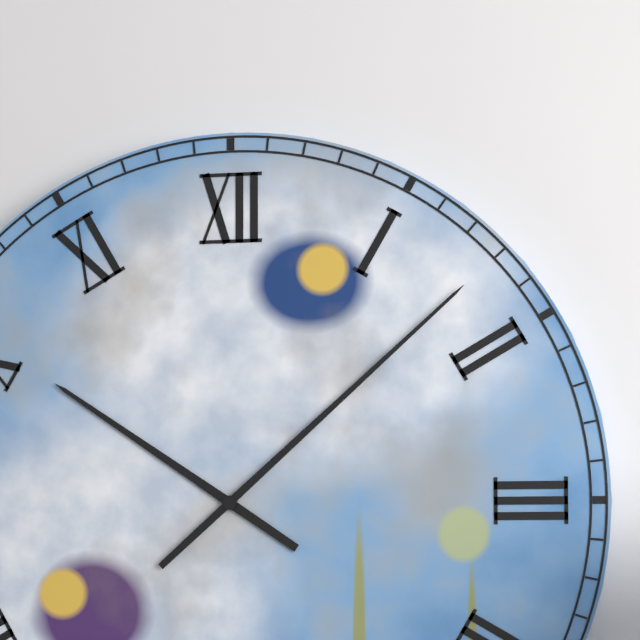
10:08
